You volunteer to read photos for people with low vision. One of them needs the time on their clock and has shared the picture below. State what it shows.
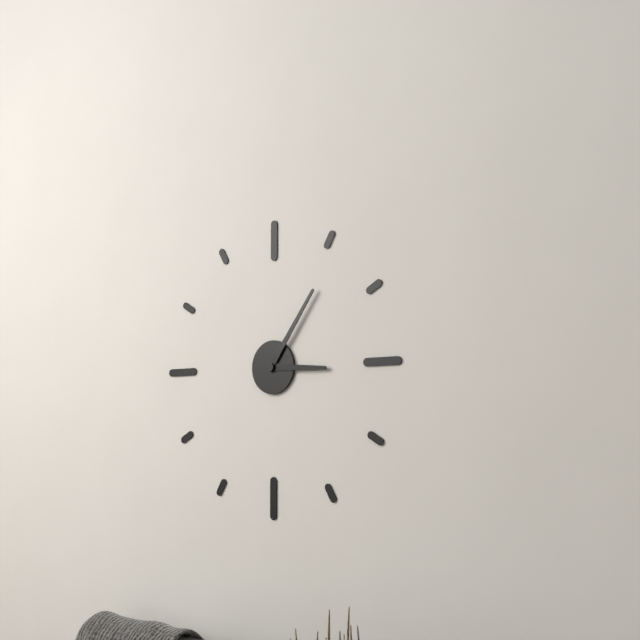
3:06
